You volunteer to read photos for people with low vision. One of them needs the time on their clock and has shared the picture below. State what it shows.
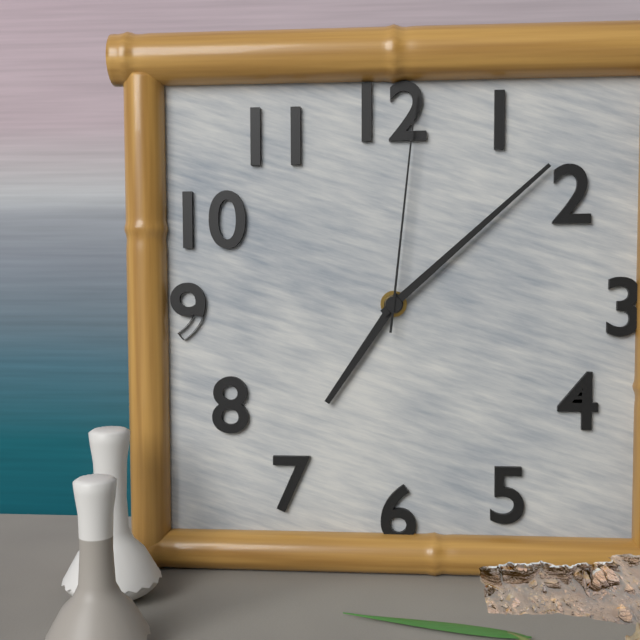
7:08:01
